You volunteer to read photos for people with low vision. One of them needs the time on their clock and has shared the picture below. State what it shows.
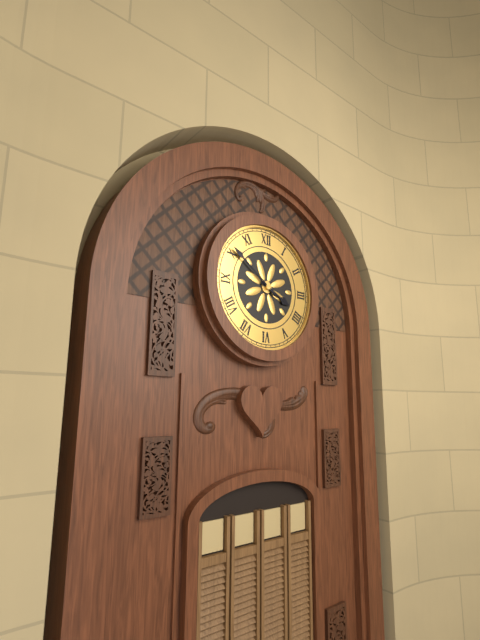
3:51
